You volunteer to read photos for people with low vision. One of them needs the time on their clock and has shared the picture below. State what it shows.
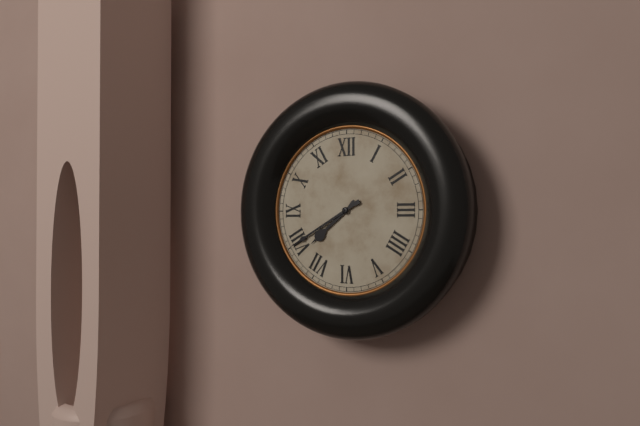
7:40
